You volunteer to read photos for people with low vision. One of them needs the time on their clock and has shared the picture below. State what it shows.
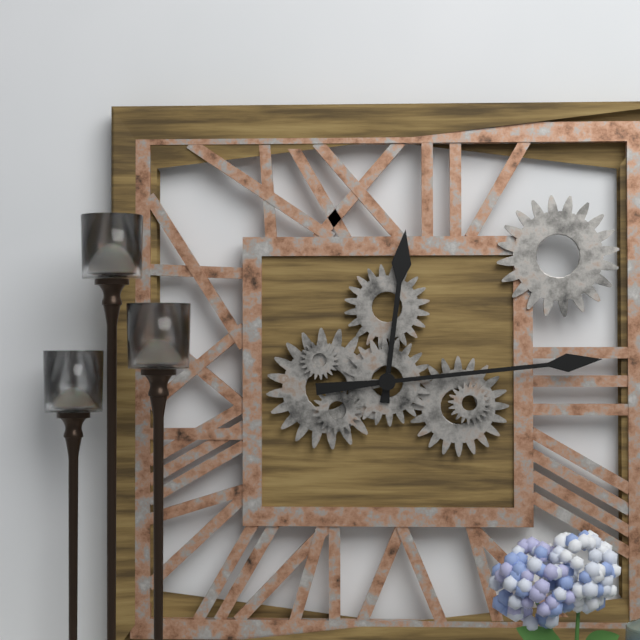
12:14
